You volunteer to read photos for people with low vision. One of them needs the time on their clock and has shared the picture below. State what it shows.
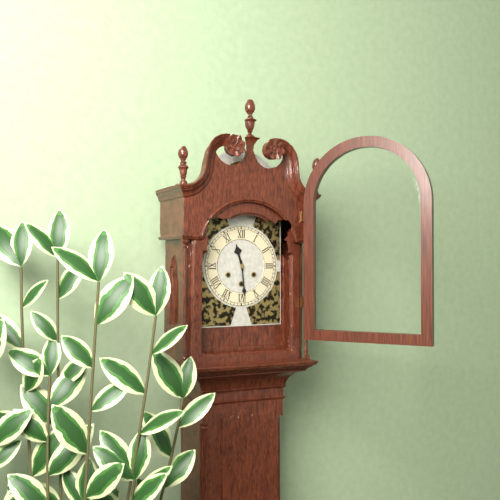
11:29
